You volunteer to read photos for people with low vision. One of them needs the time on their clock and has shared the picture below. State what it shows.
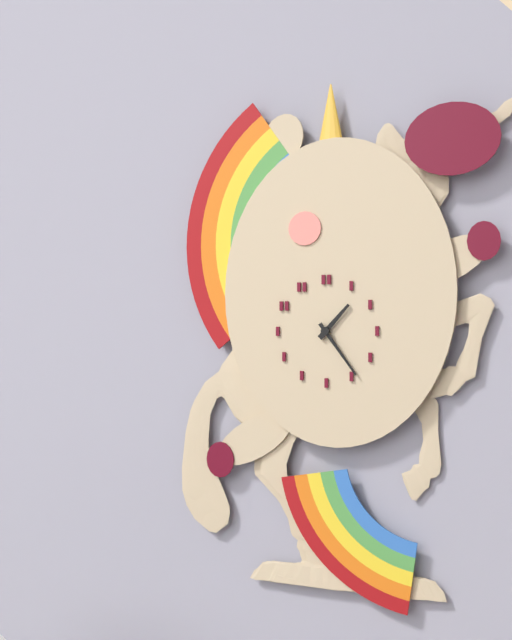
1:24
